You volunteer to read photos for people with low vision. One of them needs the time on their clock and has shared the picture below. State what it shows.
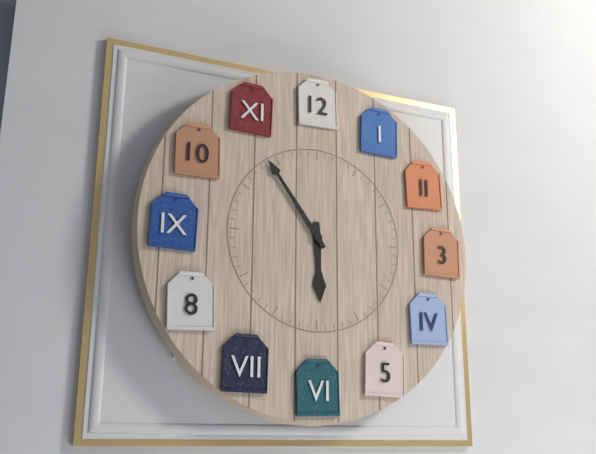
5:54
